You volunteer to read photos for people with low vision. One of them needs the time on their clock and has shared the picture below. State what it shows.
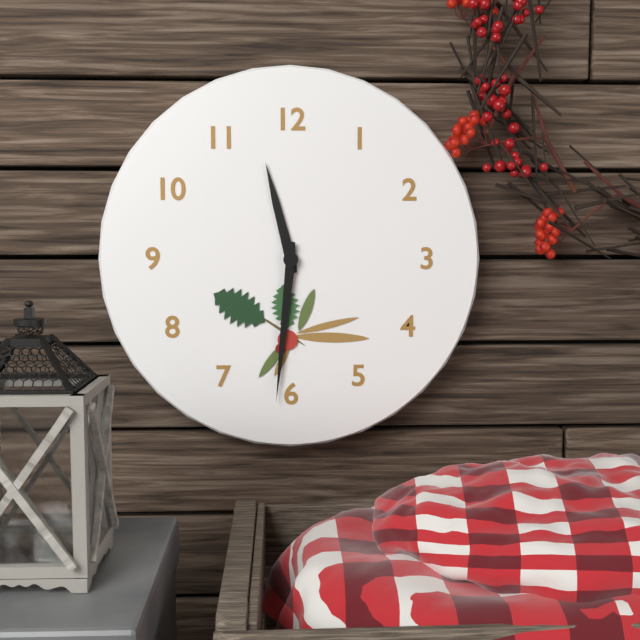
11:31
